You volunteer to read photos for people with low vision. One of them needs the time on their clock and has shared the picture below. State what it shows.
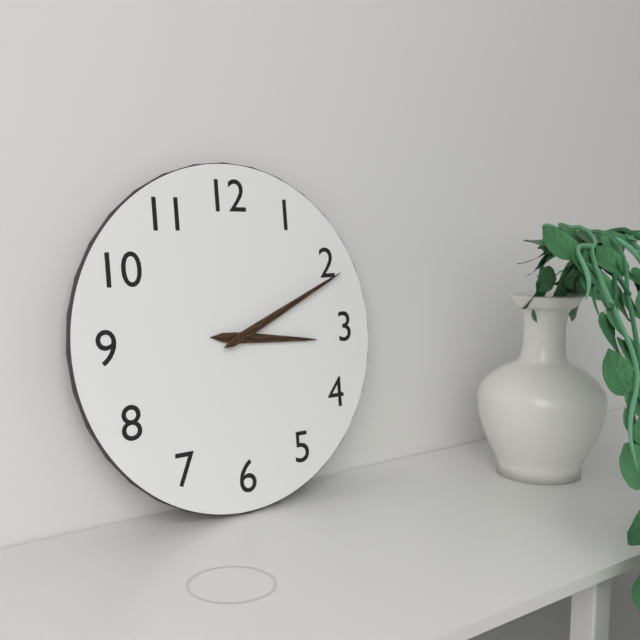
3:11
